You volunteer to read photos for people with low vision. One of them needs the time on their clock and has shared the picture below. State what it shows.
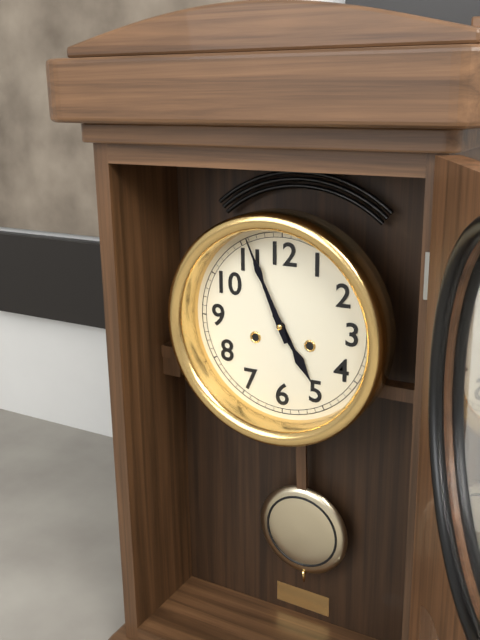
4:56
